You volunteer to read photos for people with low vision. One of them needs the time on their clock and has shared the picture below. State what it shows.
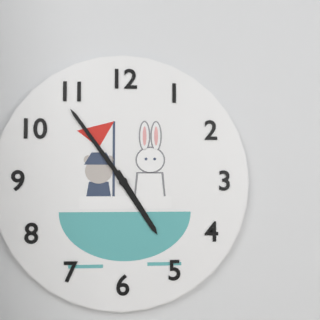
4:54
